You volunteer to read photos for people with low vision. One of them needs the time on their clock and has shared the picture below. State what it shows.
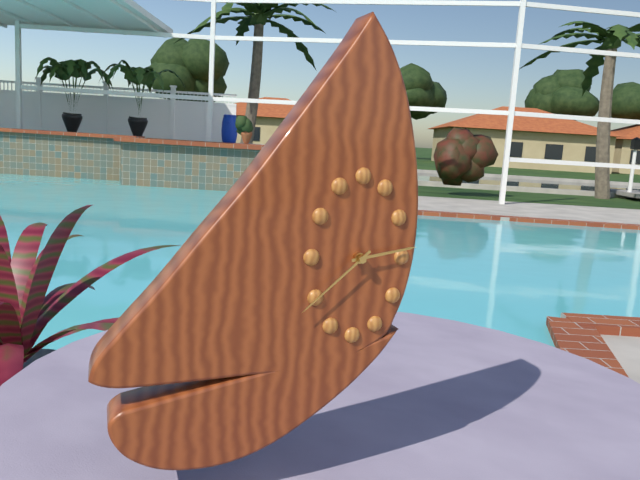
2:38
